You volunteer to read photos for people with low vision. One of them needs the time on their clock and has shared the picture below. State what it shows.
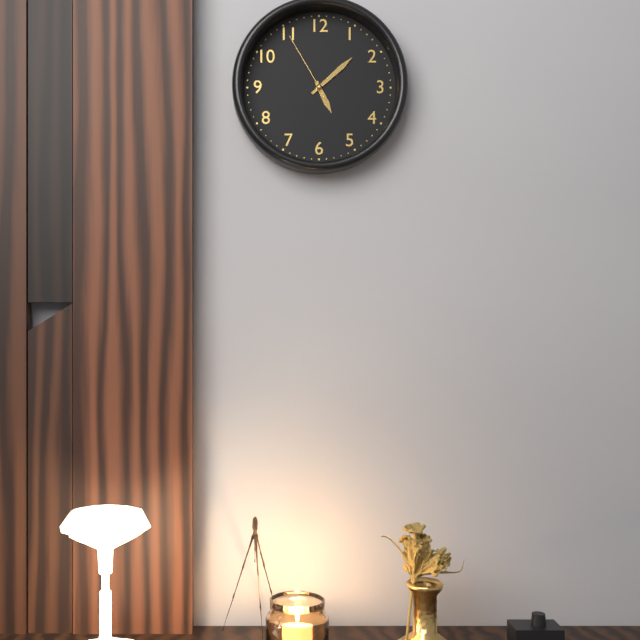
5:08:55
